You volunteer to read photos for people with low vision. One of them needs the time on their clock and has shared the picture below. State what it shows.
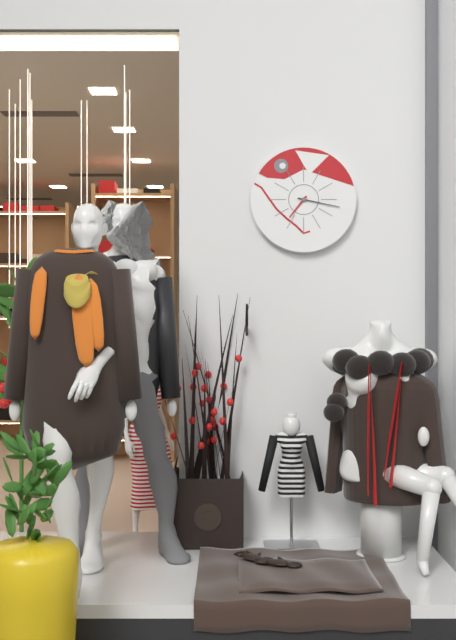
7:17
